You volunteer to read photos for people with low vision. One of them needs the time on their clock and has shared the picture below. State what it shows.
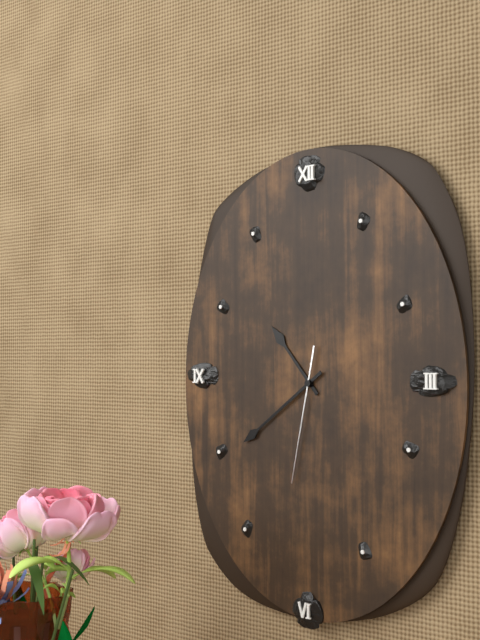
10:39:32
